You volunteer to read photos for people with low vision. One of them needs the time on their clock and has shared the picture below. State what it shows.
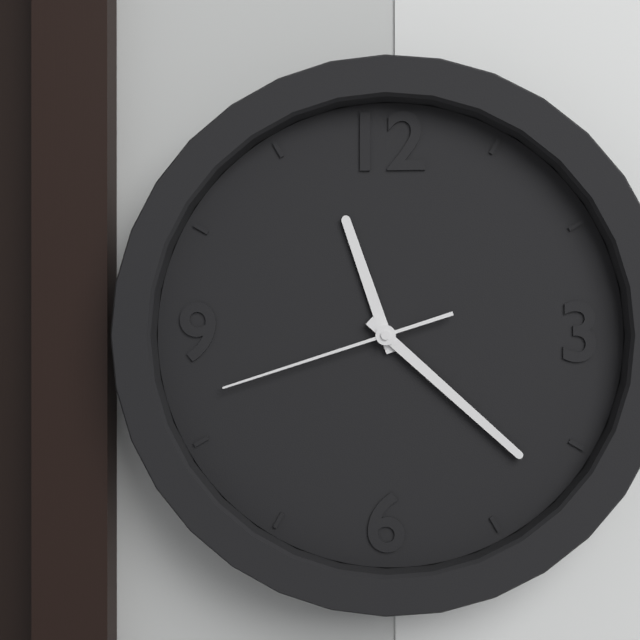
11:22:42
